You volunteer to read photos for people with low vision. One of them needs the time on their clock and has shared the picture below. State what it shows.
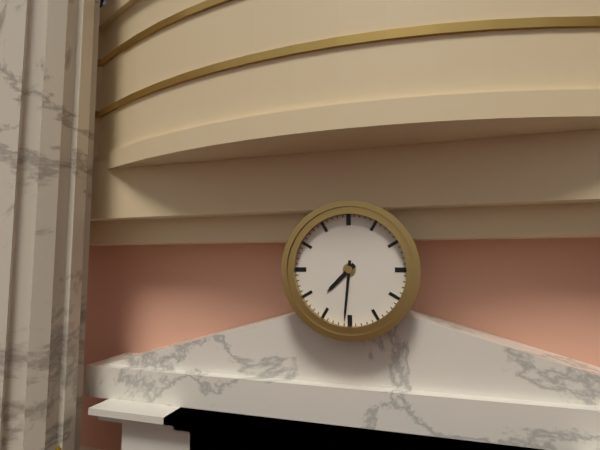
7:31
